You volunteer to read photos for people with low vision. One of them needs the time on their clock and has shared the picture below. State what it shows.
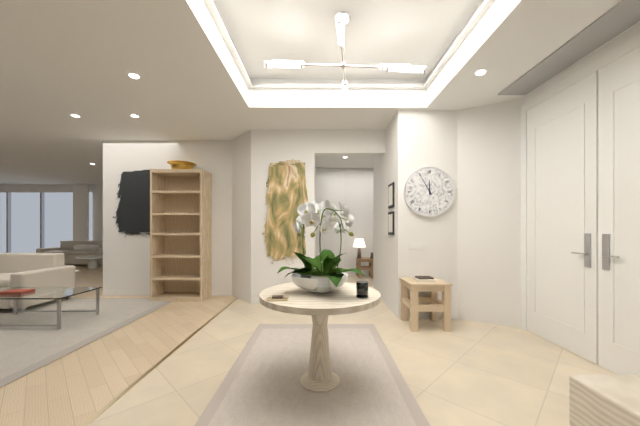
11:55
